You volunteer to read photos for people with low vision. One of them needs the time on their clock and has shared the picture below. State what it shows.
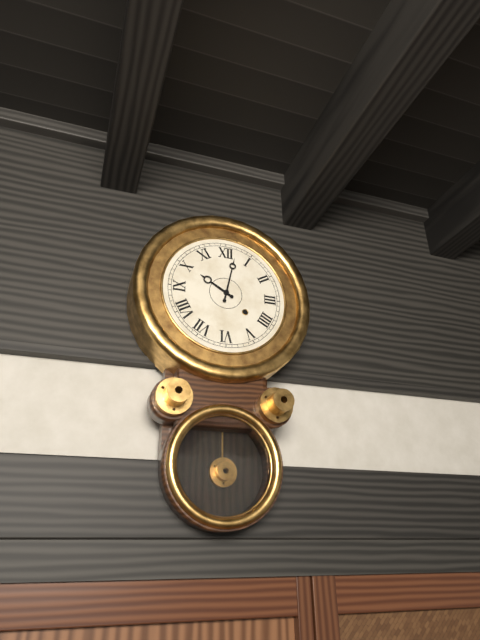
10:02
